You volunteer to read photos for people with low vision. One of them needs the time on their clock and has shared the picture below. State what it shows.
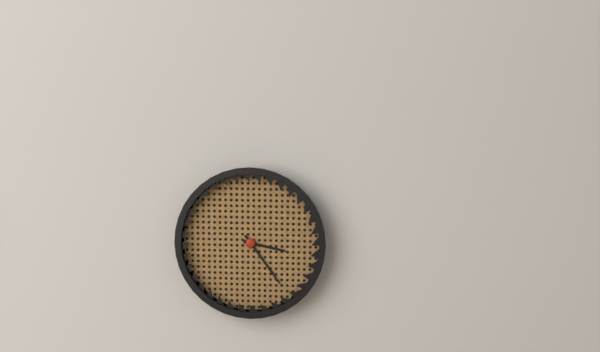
3:24
